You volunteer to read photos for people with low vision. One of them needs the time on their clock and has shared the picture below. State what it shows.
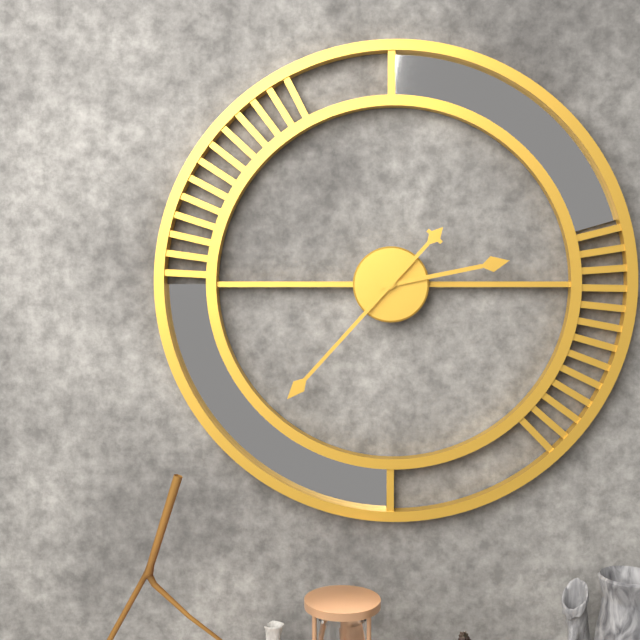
2:37
